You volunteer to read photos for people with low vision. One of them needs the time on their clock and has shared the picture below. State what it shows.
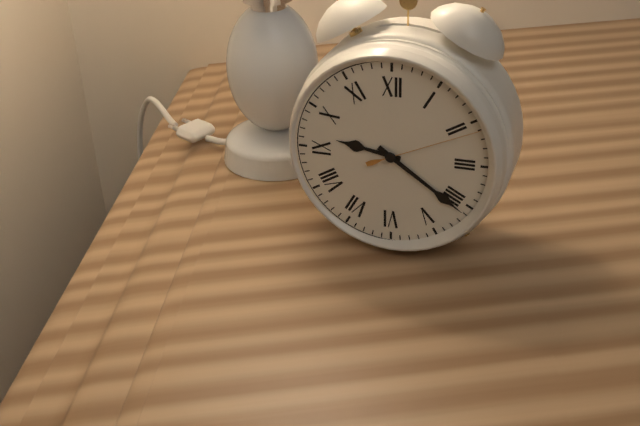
9:21:11
